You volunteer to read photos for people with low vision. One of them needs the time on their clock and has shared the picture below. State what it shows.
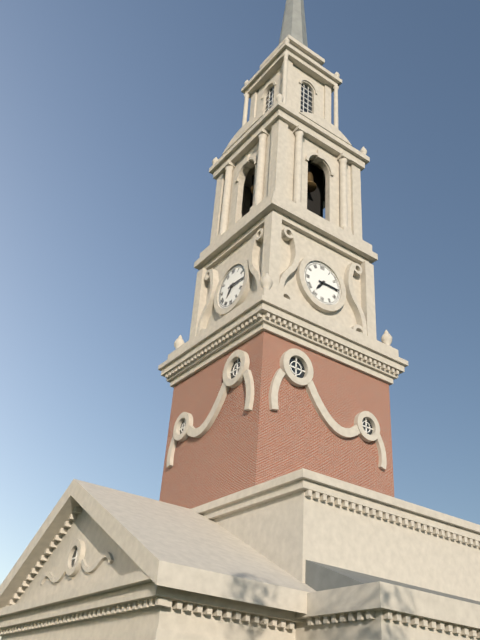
7:15
